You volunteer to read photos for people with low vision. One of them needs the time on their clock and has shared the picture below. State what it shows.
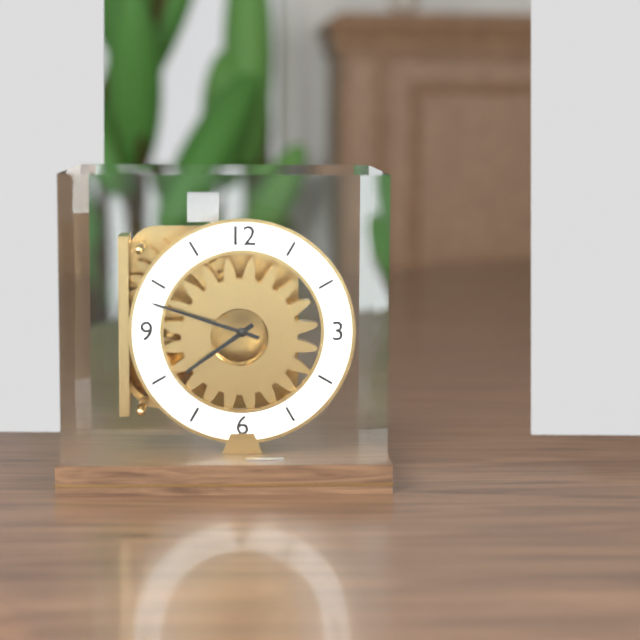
7:48
